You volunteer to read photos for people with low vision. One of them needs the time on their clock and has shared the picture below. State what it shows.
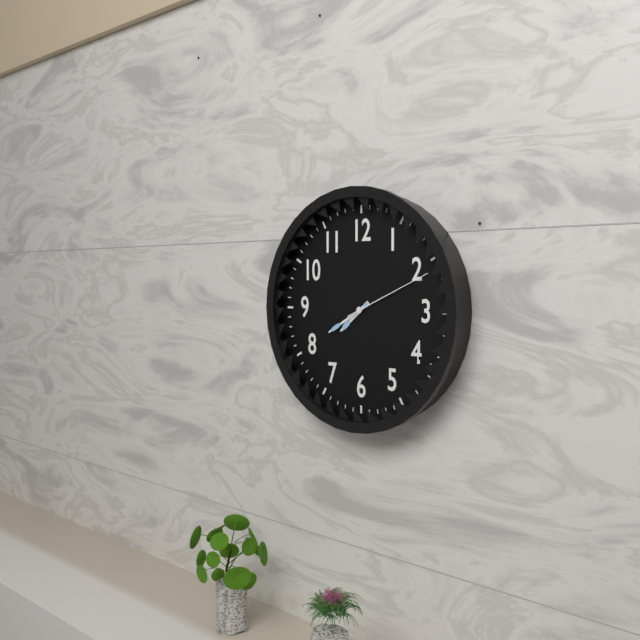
7:40:11
